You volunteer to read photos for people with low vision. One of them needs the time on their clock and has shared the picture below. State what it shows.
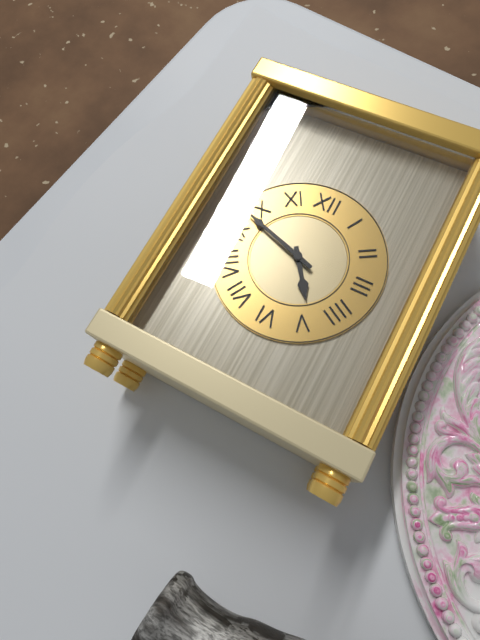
4:48
